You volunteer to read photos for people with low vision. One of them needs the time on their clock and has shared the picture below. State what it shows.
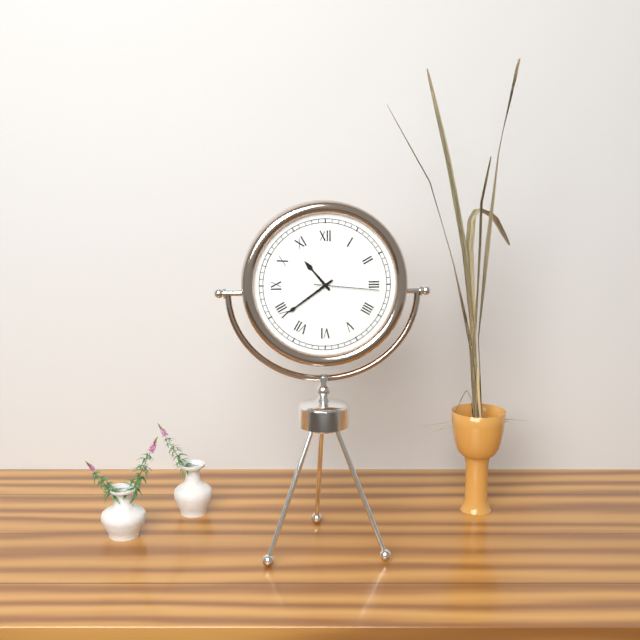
10:39:16
